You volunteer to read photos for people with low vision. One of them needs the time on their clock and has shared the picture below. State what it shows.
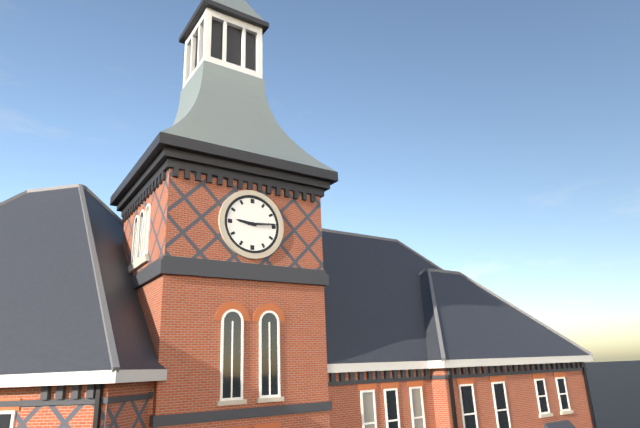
9:14
